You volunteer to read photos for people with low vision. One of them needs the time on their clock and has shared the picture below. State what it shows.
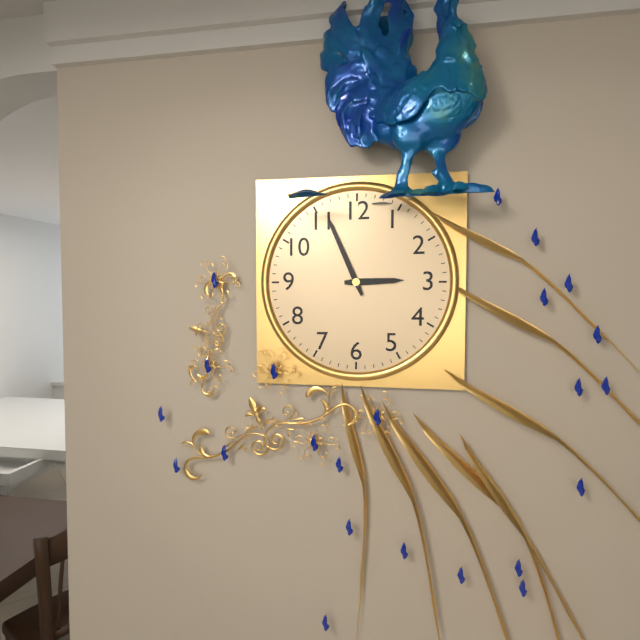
2:56
